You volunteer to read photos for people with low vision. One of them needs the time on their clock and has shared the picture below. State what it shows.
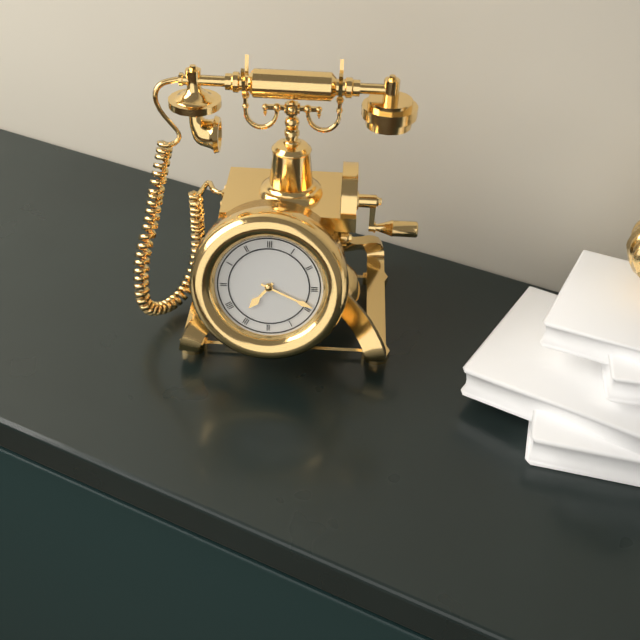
7:19
